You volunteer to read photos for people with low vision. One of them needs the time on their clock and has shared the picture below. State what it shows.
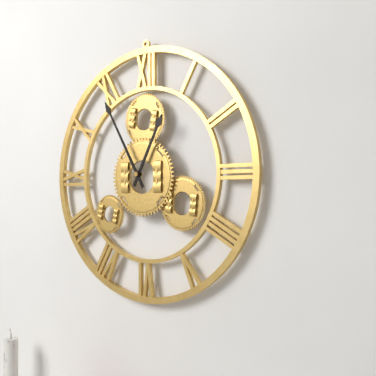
12:55
